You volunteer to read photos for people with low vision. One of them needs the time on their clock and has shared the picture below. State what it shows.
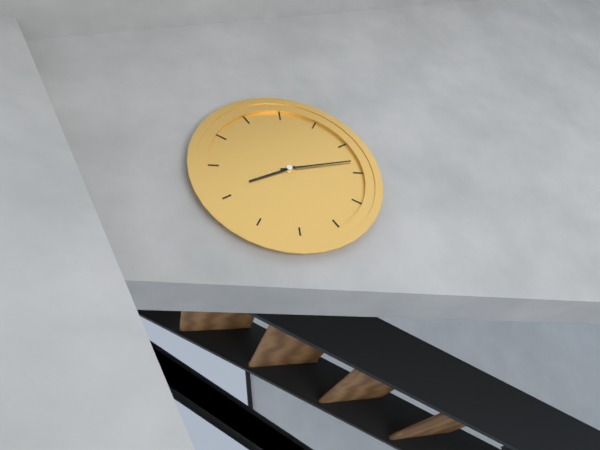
8:13
